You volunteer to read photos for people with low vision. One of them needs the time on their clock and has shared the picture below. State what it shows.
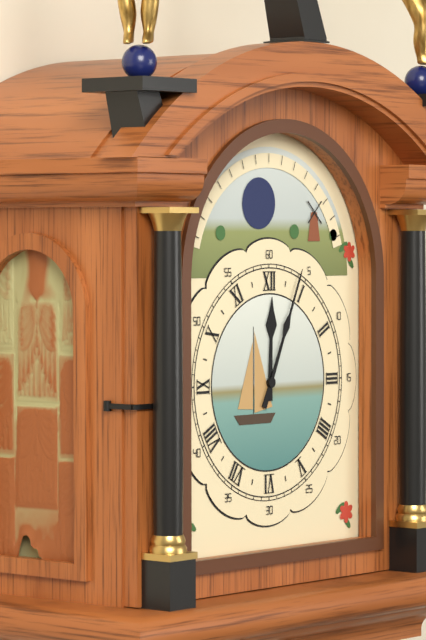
12:04
